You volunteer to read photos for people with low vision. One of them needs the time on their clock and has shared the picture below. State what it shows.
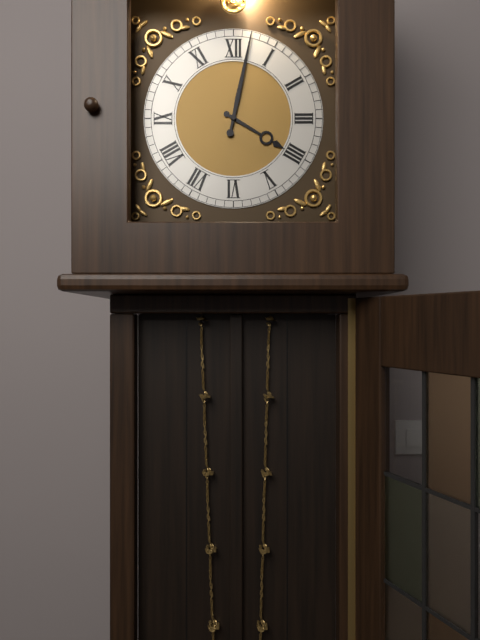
4:02
